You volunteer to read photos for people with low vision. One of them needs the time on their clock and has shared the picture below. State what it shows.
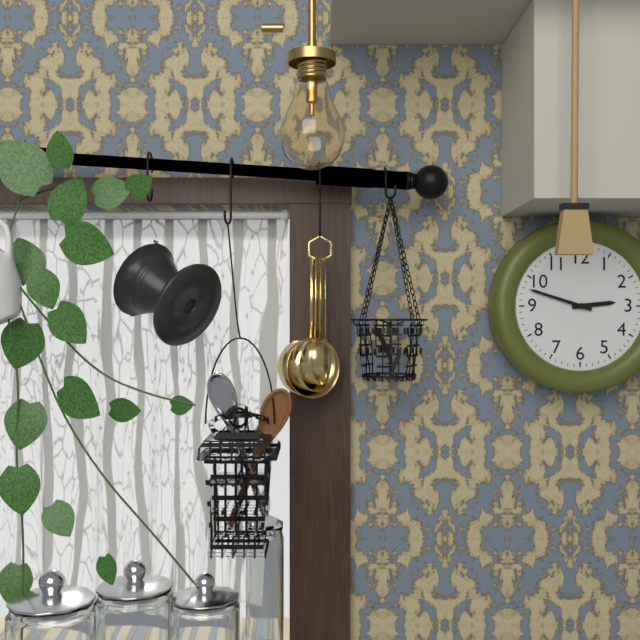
2:48
